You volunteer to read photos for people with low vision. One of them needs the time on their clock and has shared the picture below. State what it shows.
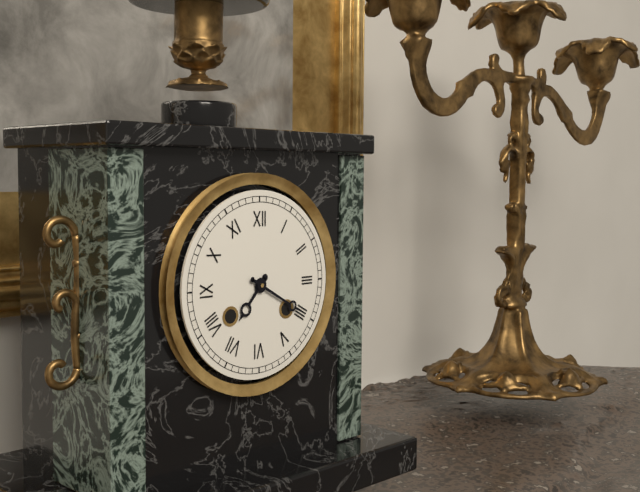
7:20
